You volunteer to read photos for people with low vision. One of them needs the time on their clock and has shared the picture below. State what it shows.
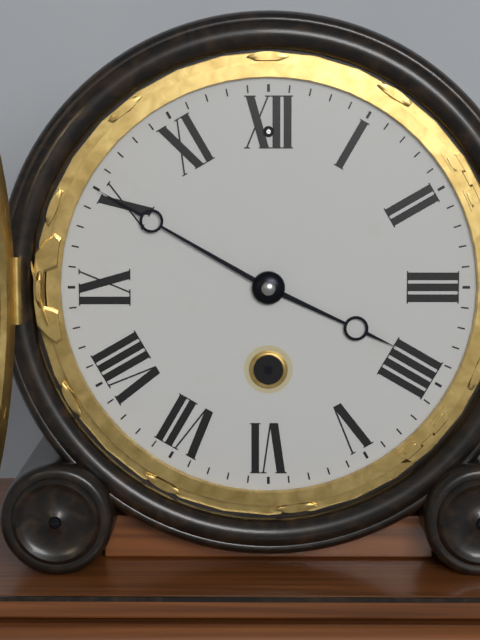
3:50
